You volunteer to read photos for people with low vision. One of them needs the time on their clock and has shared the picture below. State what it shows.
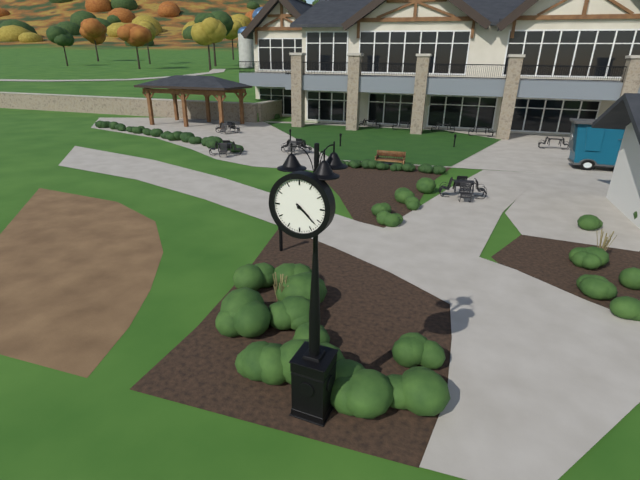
4:22
